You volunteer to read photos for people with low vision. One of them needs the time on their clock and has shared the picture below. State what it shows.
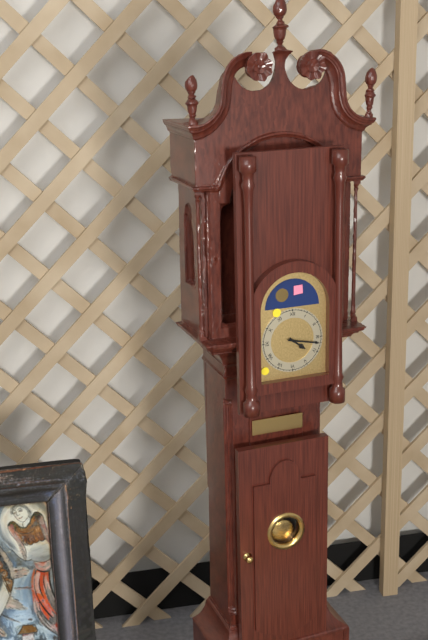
4:17
